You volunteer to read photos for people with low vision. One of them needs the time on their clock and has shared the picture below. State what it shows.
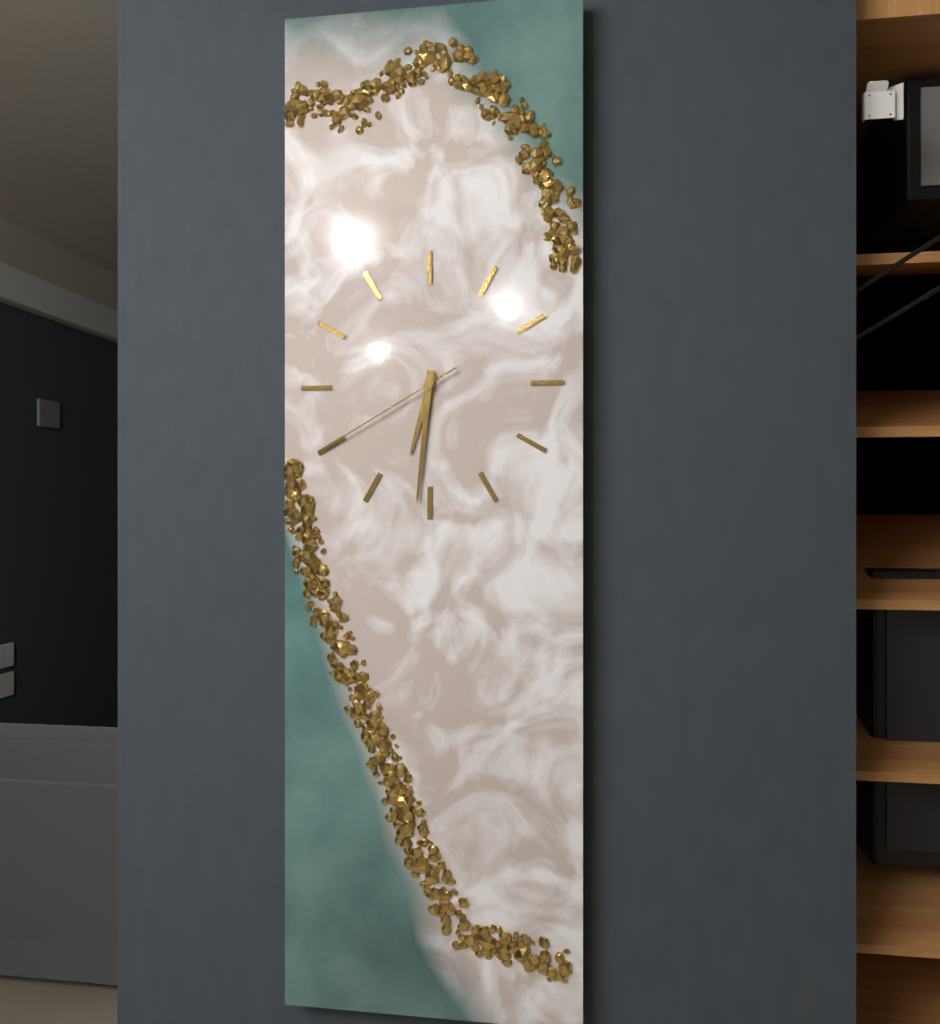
6:31:40
